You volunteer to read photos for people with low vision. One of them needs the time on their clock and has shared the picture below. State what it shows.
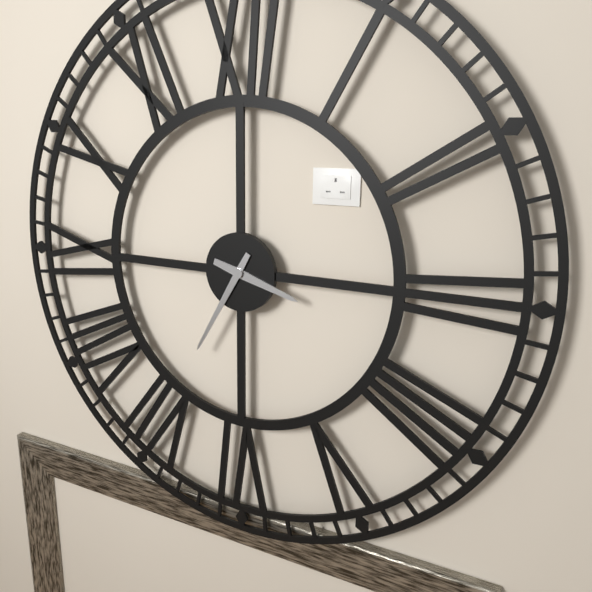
3:35
